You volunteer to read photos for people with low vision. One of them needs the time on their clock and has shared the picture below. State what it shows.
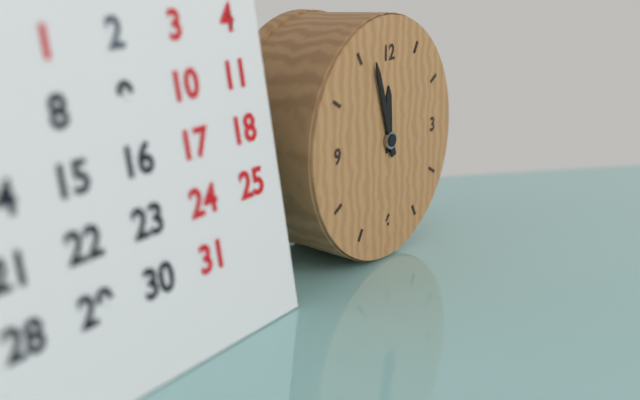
11:57
